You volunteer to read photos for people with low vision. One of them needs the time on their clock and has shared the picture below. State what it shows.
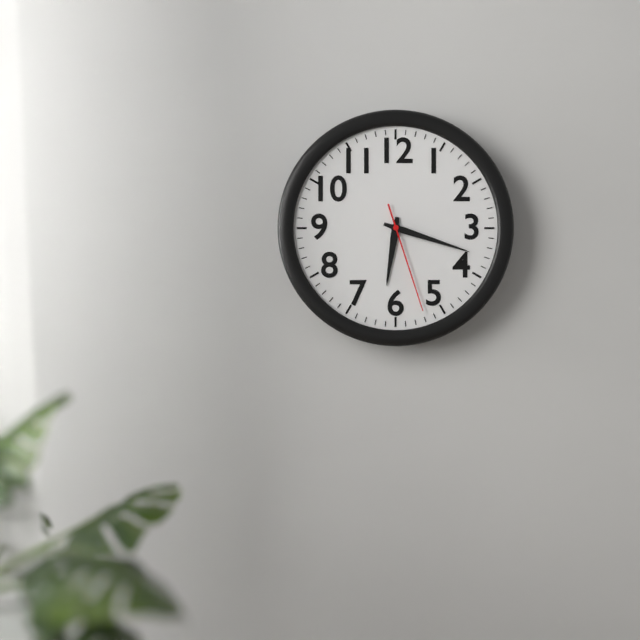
6:18:27
